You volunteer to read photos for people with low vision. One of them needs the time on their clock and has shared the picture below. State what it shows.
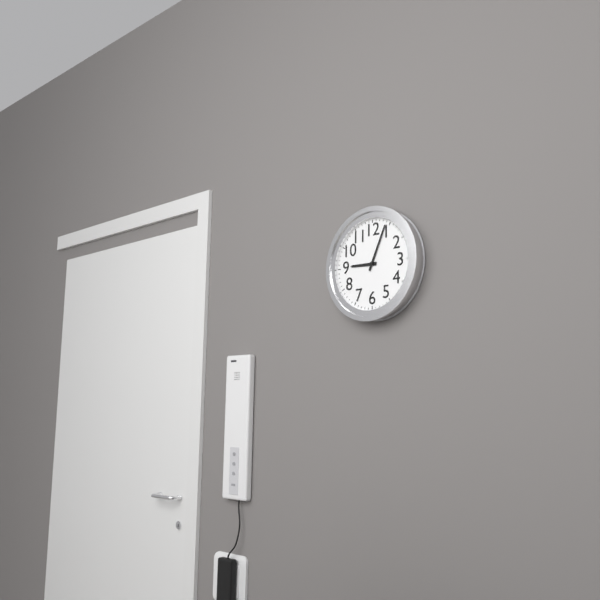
9:04
